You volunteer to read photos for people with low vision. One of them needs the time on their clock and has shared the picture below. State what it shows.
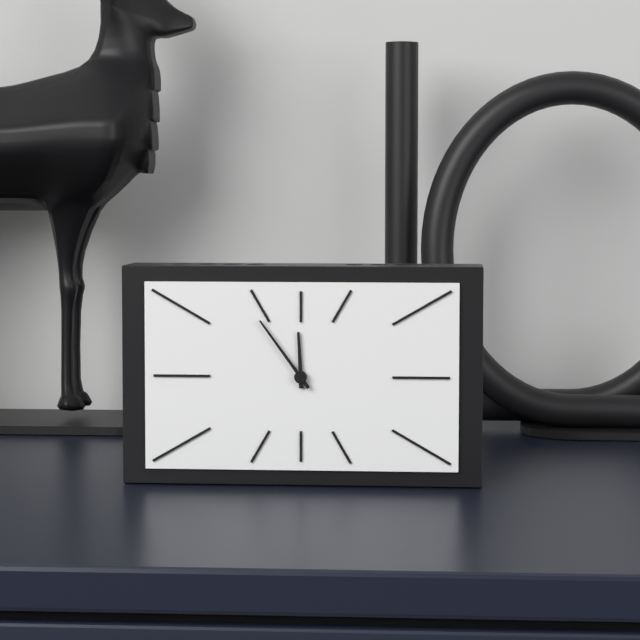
11:54
